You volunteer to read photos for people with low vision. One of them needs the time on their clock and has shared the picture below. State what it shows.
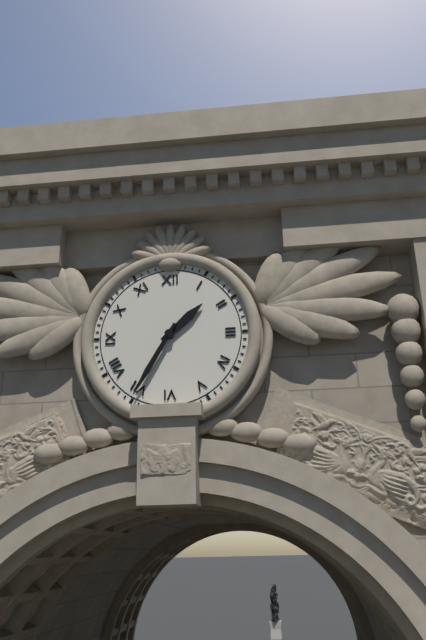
1:35
